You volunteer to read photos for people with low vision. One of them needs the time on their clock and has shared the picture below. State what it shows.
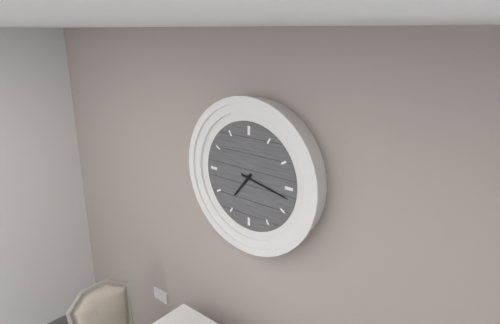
7:17
